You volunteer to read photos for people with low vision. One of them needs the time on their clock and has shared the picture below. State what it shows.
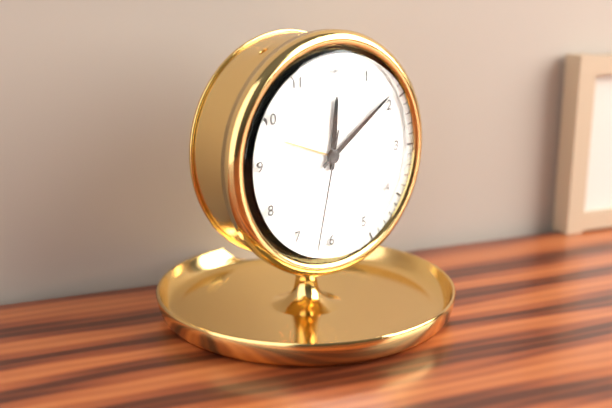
12:09:32
